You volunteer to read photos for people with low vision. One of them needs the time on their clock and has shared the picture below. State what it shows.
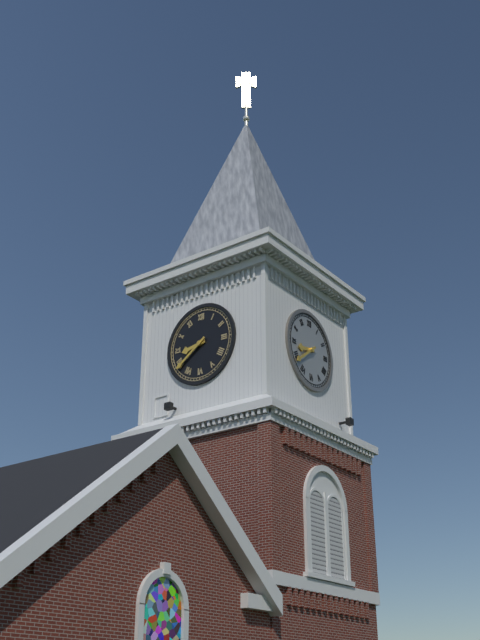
8:39
